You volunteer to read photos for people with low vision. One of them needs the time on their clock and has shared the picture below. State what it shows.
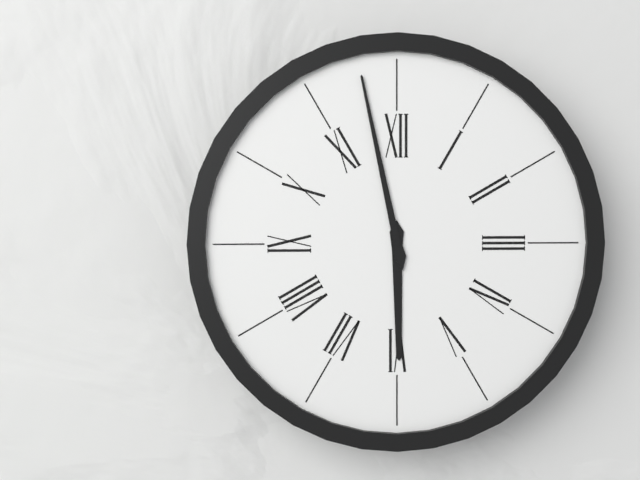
5:58
